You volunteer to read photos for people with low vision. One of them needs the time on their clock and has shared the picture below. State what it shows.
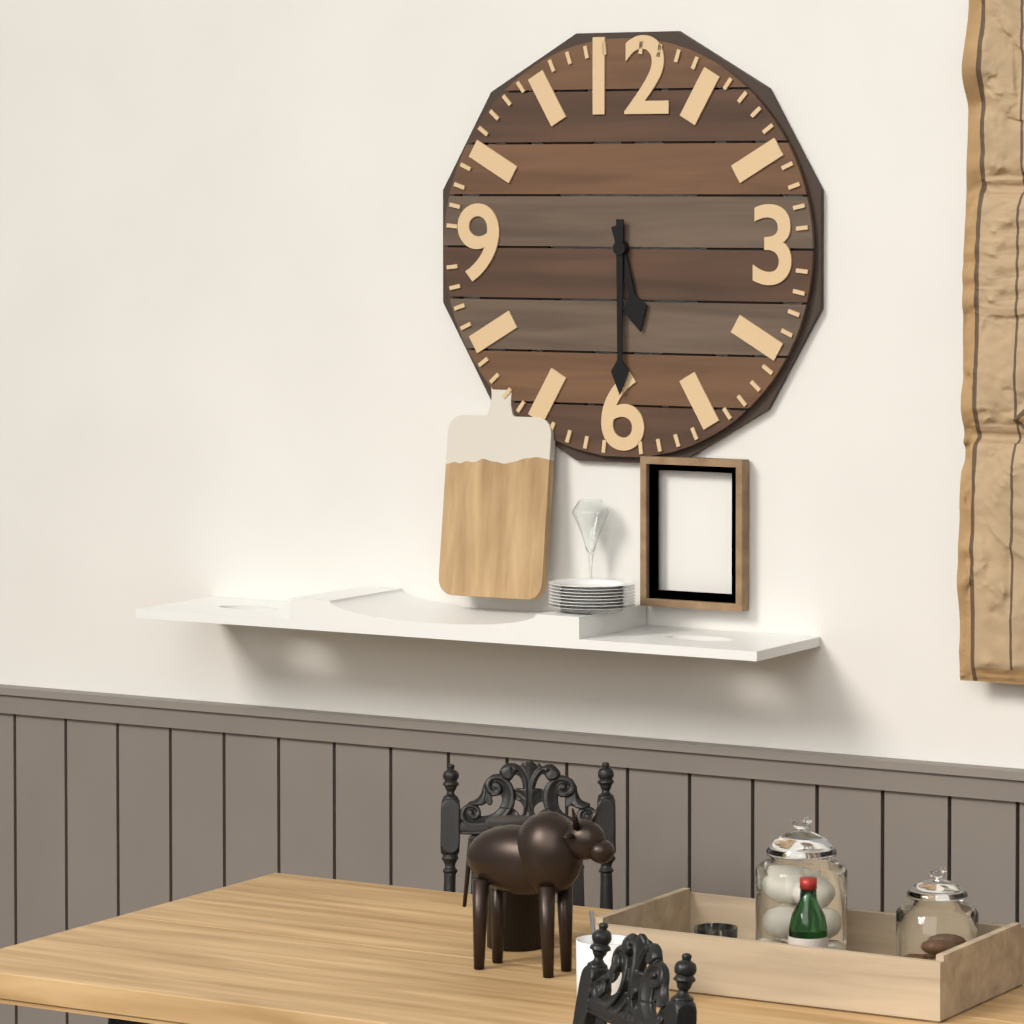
5:30
